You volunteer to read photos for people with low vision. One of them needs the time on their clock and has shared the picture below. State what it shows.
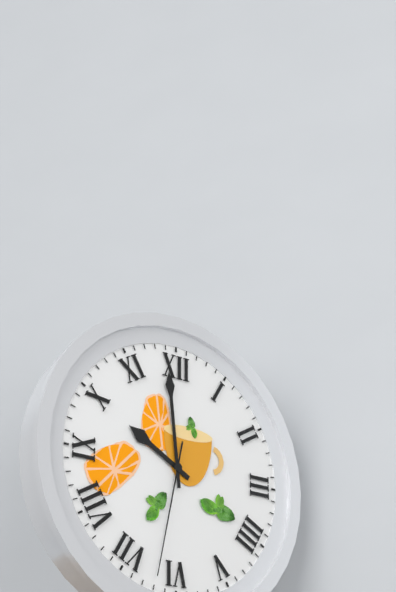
9:59:32
